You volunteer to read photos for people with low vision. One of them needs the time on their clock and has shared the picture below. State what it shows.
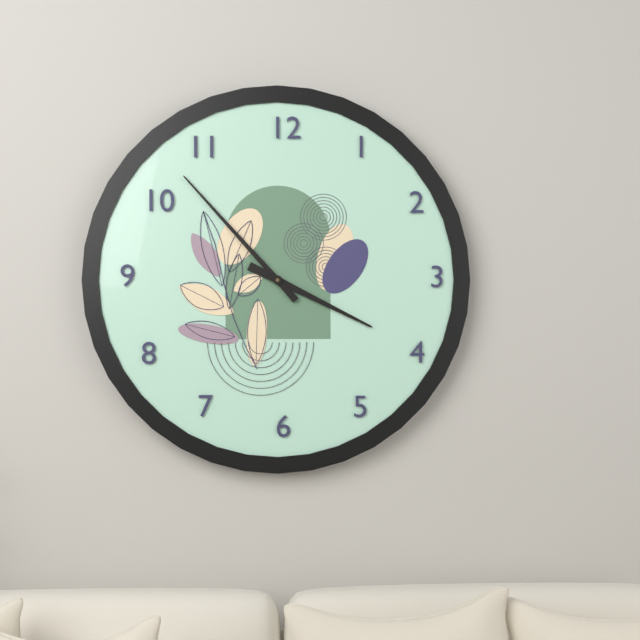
3:53
